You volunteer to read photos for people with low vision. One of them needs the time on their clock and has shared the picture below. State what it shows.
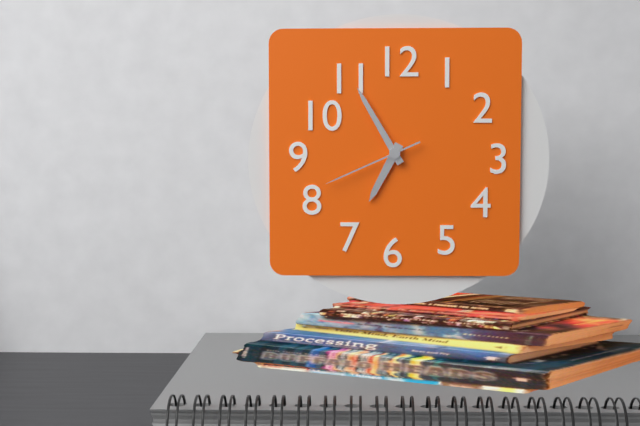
6:55:41
